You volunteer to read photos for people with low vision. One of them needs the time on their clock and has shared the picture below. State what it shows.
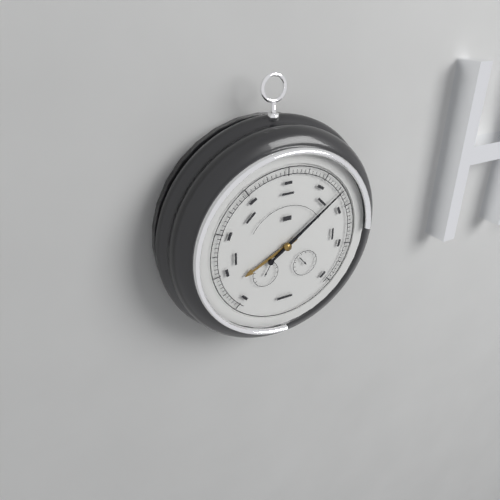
8:09
